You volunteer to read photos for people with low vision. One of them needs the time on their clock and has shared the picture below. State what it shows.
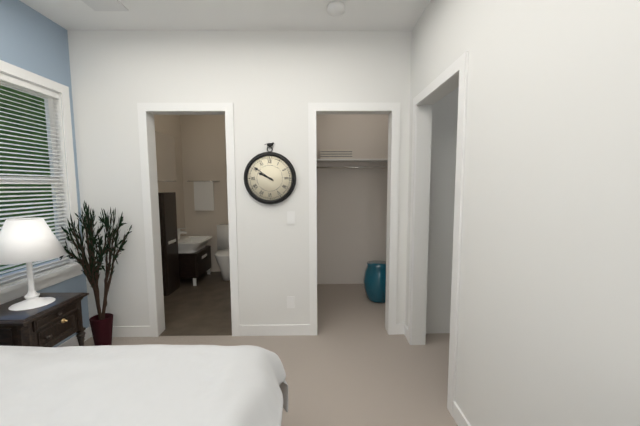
9:51
